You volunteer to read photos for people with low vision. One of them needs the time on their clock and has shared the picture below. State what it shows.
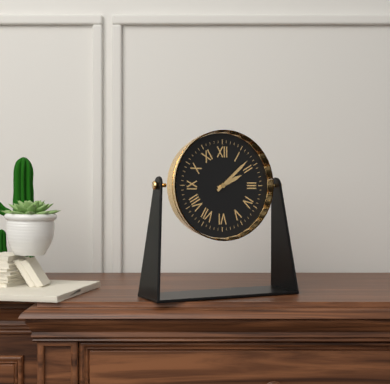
2:08
